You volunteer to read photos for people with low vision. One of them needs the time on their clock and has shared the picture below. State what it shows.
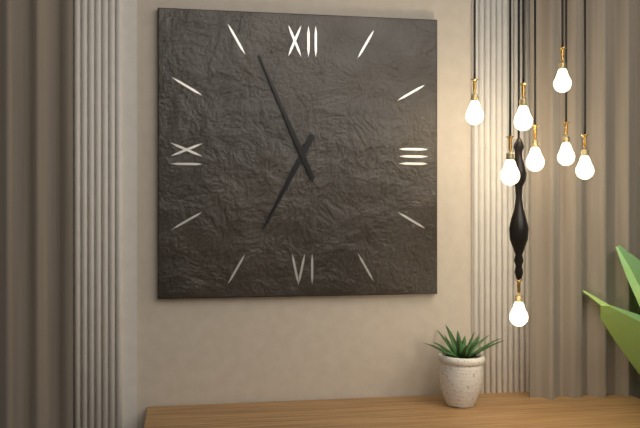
6:56
